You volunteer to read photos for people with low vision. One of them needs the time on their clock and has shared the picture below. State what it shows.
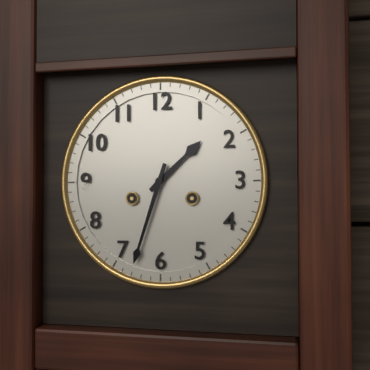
1:33
